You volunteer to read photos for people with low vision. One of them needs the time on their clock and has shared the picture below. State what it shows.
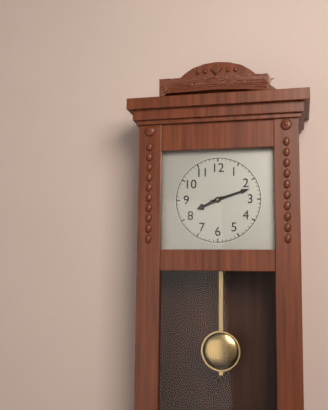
8:12
